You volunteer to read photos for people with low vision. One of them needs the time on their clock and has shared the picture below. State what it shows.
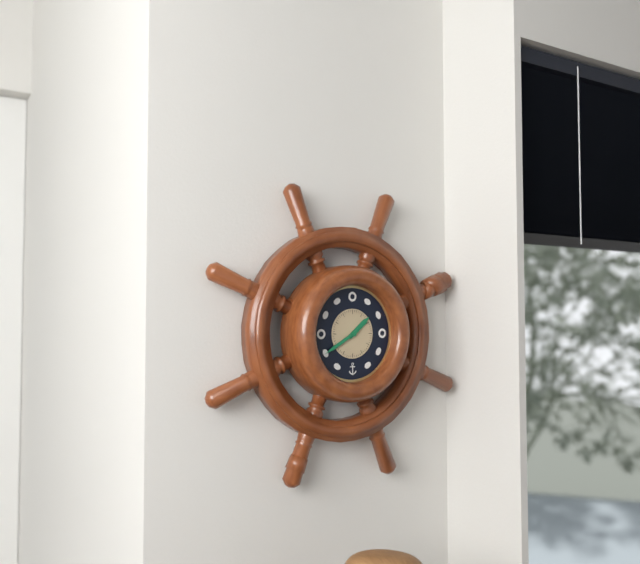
1:40
